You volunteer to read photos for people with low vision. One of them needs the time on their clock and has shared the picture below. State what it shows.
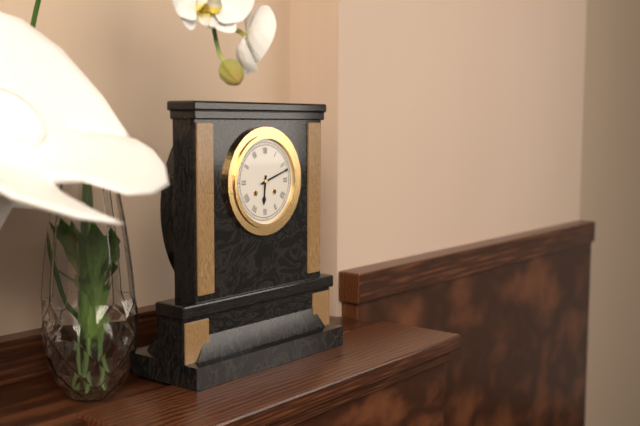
6:12
